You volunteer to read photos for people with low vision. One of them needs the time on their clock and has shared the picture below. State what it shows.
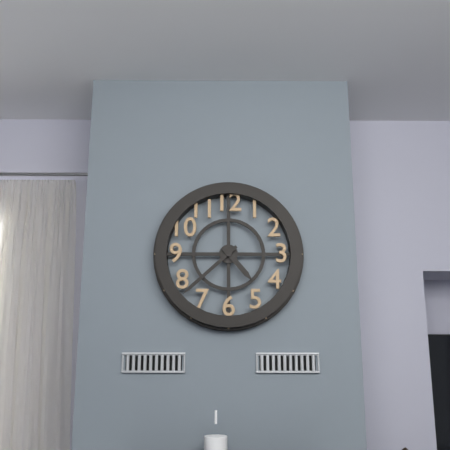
4:38
